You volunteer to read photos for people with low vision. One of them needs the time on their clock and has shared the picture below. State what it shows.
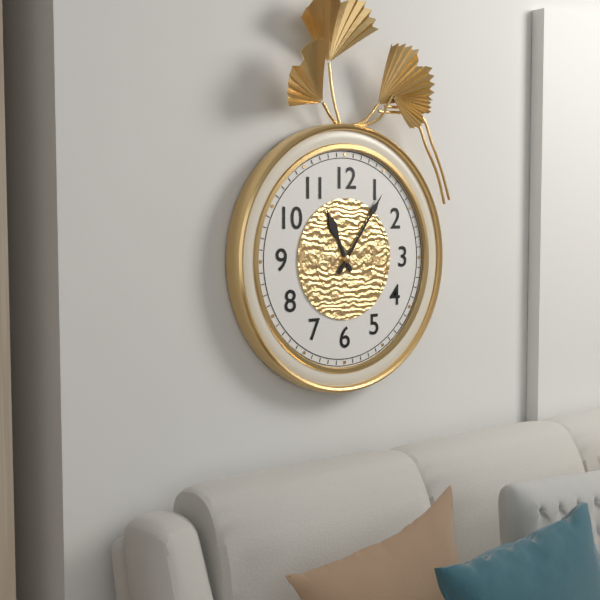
11:06
